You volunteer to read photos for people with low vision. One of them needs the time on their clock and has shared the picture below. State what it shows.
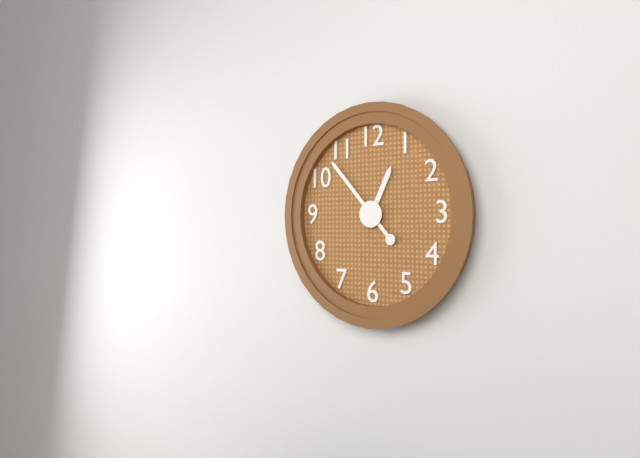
12:53
